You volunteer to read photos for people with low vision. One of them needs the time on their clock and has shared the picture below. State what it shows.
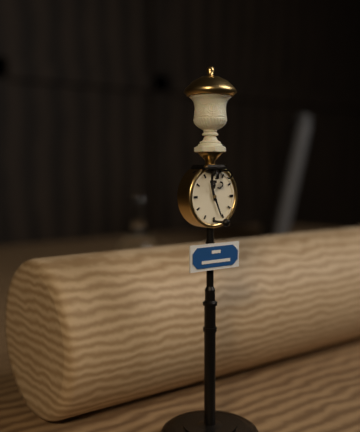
11:26
